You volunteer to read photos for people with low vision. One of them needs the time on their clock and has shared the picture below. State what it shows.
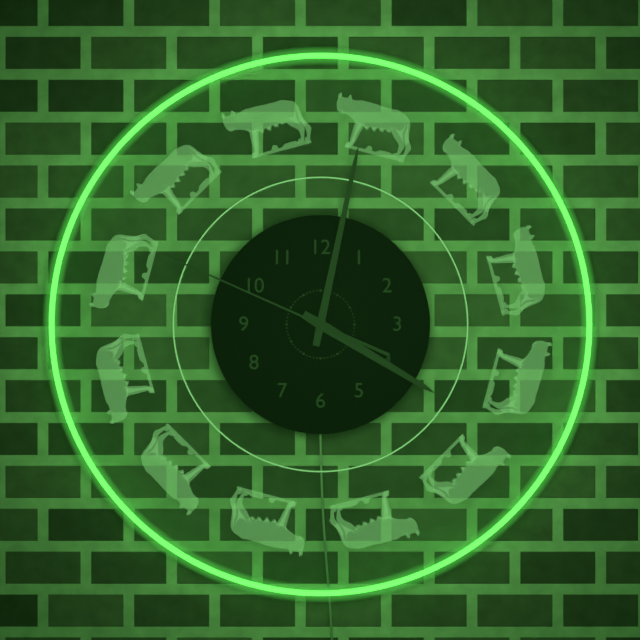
4:02:49
